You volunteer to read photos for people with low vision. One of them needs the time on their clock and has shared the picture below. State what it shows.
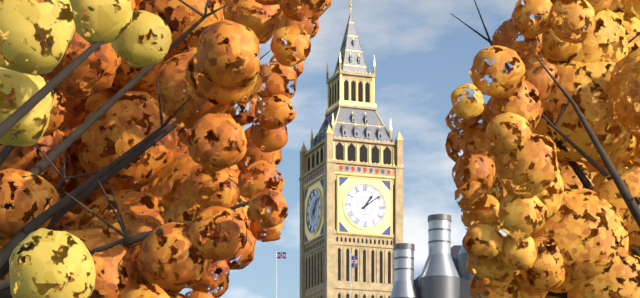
1:09
